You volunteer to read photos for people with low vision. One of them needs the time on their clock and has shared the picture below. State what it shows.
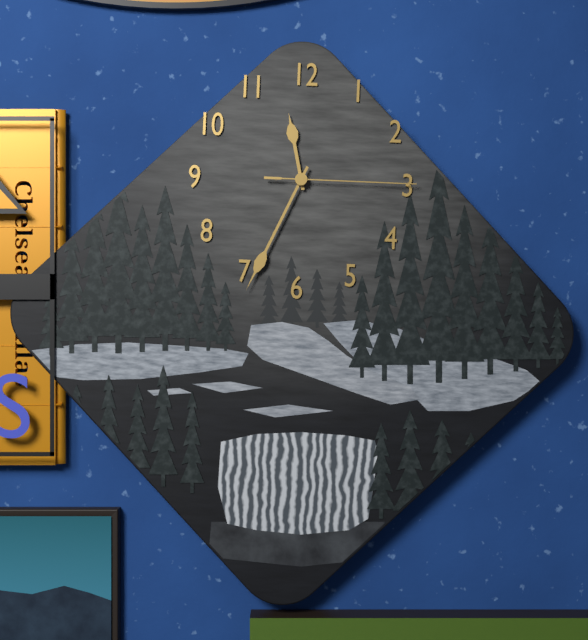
11:34:15
